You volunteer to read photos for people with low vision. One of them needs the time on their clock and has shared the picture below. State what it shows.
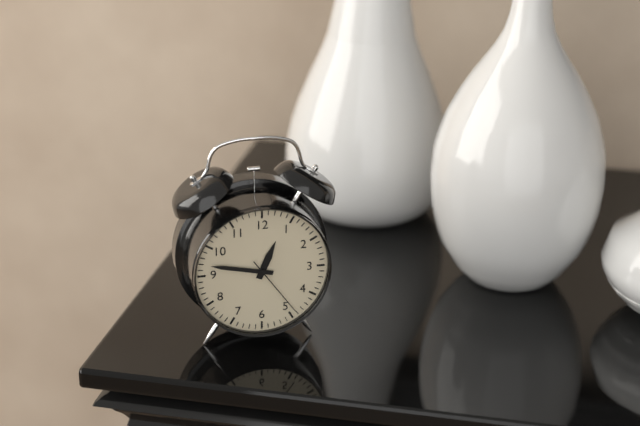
12:47:24
